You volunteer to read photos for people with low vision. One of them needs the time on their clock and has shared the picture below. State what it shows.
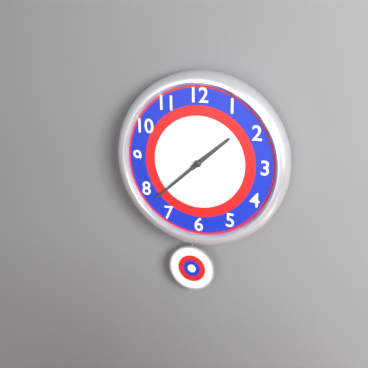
1:38
